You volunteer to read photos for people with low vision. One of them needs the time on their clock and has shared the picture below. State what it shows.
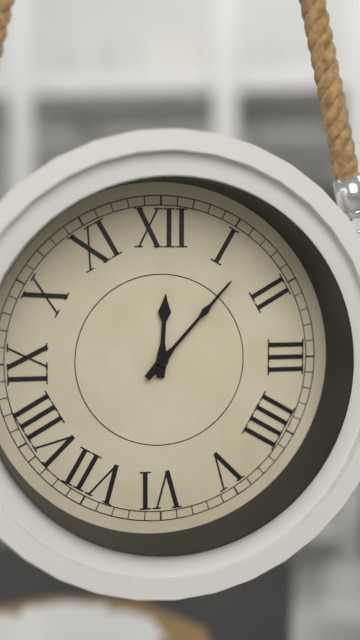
12:07
